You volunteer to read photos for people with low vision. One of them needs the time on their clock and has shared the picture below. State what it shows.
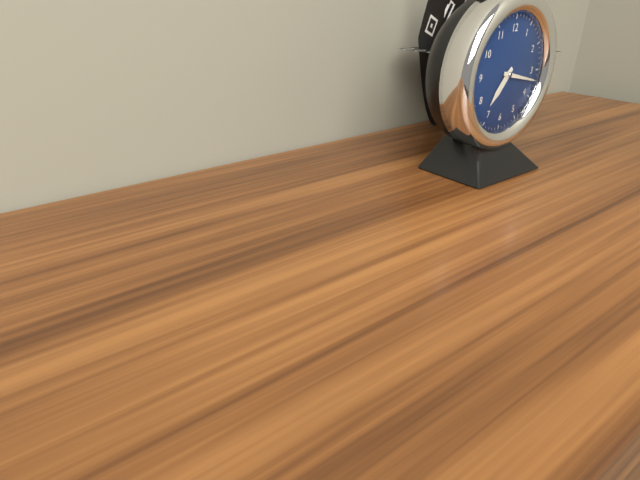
7:17
